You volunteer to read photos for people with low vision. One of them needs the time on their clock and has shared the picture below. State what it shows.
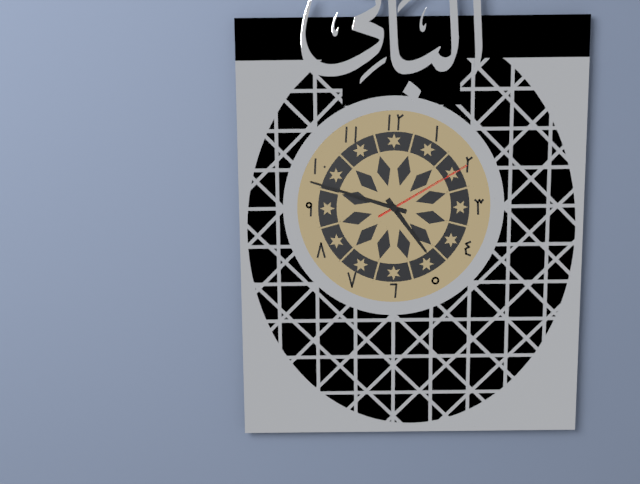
4:48:10
